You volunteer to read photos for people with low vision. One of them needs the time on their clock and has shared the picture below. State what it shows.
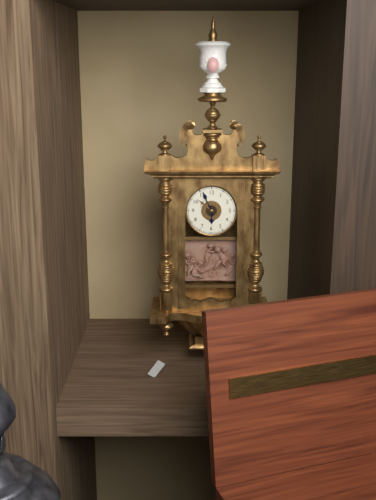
5:56
